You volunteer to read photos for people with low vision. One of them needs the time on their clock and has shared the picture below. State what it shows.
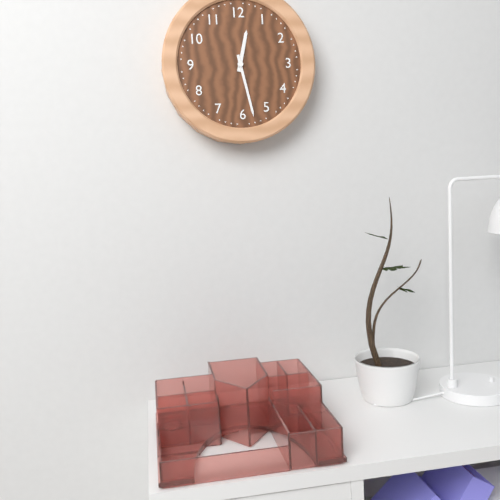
12:28
